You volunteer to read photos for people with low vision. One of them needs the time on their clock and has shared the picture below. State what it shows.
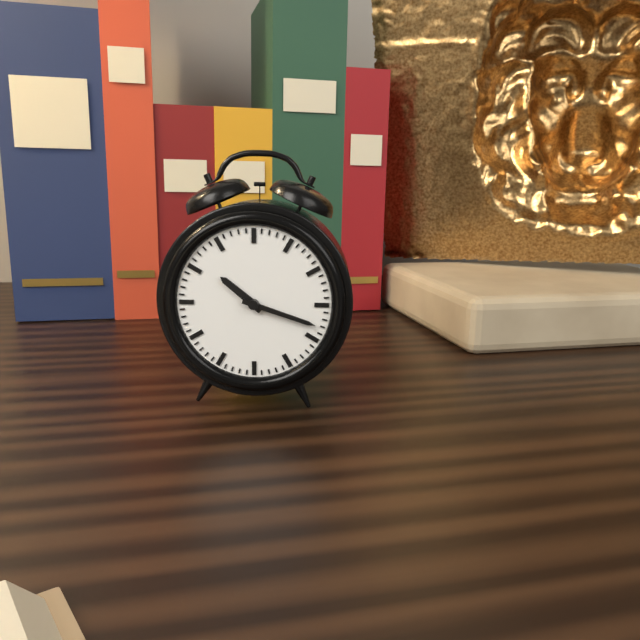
10:18
